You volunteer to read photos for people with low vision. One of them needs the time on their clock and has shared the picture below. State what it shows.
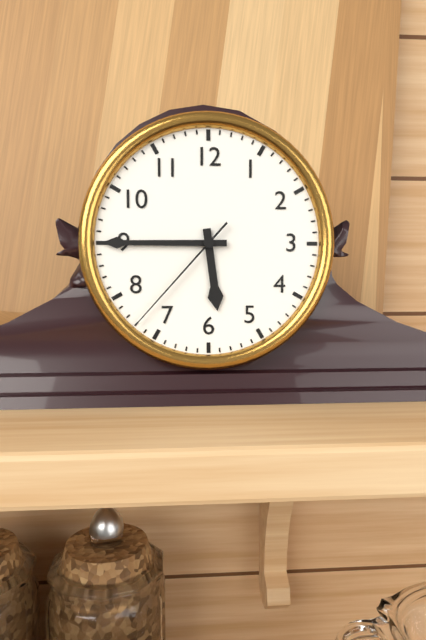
5:45:37
